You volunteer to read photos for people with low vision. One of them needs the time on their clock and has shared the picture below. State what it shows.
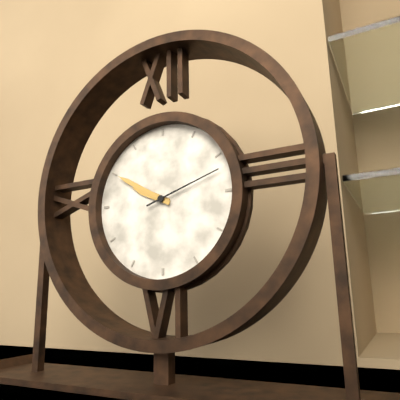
9:50:12
